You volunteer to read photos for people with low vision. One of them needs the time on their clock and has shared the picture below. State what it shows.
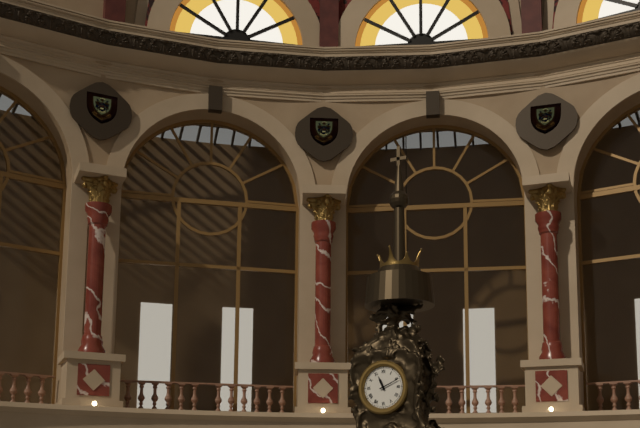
11:11
